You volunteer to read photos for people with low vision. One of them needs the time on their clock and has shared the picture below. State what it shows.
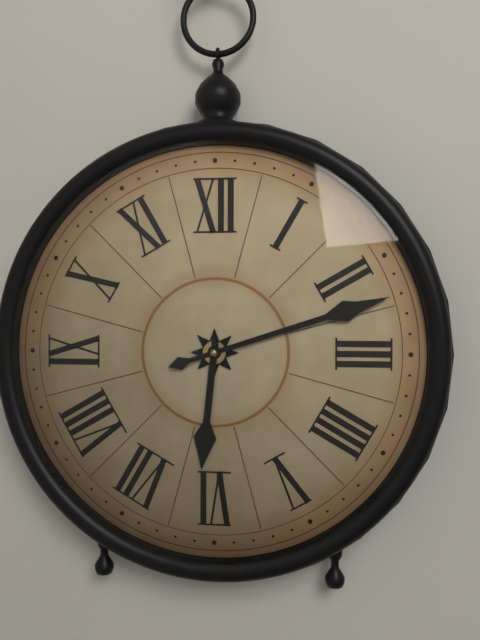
6:12
